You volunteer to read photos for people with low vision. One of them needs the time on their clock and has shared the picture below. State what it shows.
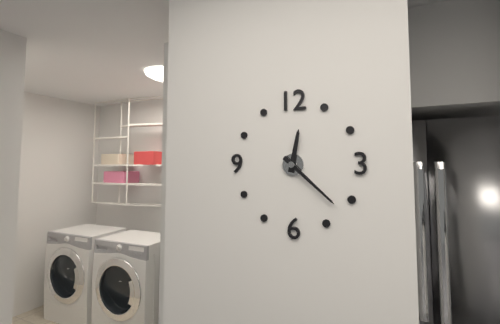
12:22
